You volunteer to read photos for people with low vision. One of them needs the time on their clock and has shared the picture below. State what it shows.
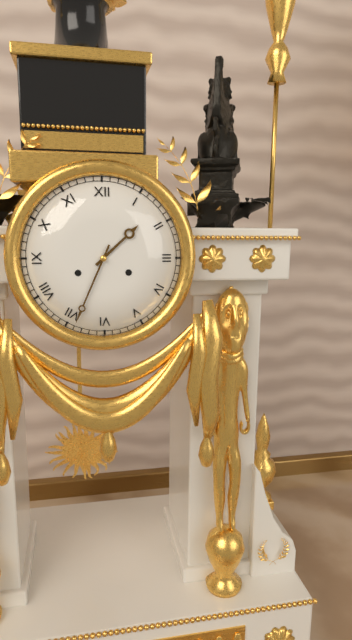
1:34
